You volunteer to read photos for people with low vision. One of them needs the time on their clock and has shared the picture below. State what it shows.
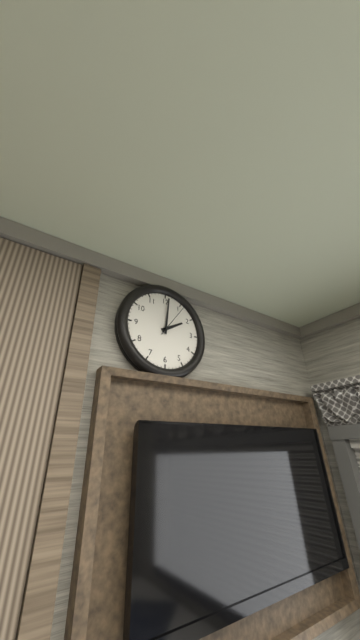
2:01
